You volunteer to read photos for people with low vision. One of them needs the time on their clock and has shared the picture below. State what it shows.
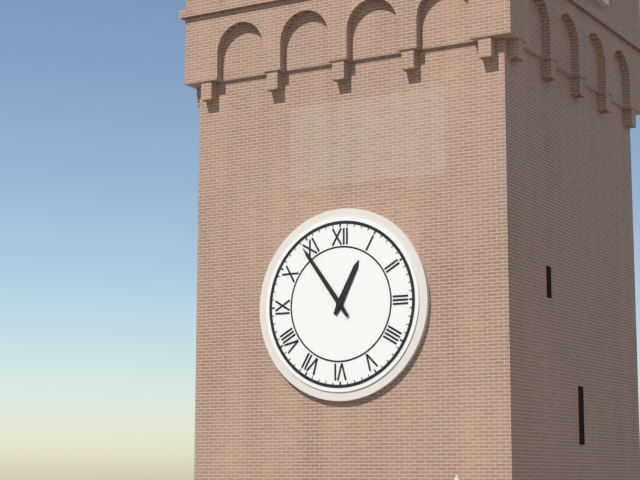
12:54
